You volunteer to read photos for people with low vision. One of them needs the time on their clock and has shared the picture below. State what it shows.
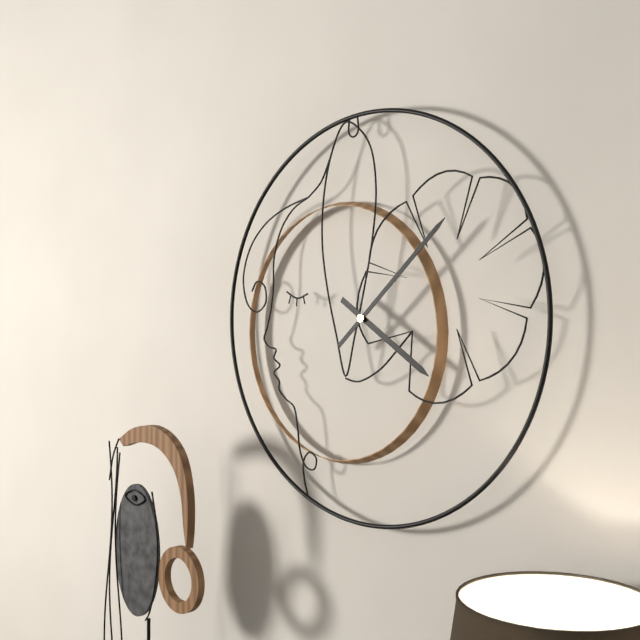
4:08
